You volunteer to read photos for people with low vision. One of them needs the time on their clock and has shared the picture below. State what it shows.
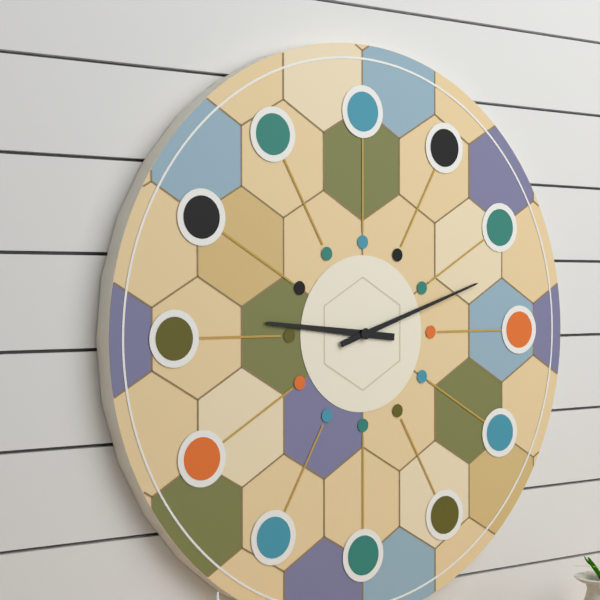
9:12
